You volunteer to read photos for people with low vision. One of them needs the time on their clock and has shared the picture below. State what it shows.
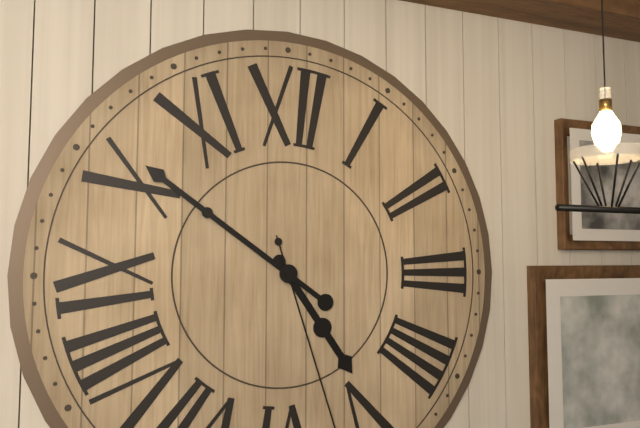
4:51
